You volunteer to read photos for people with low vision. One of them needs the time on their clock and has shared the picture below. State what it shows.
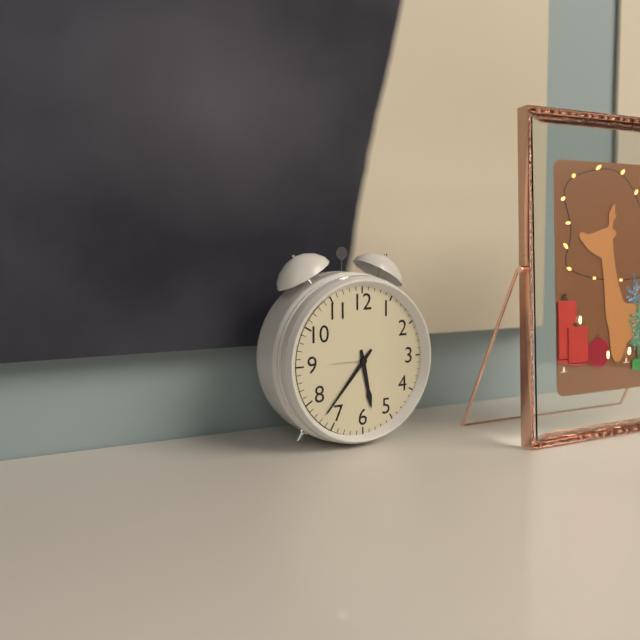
5:37
